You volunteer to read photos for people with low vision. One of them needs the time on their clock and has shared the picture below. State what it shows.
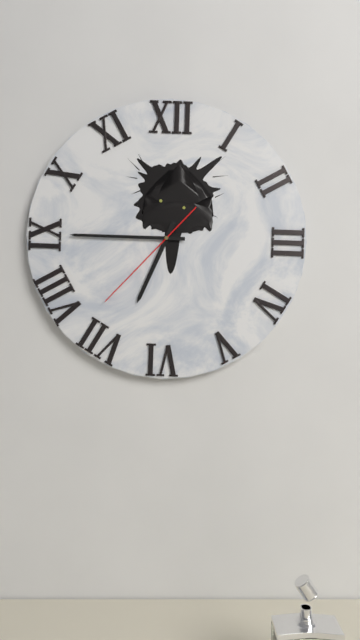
6:45:37
